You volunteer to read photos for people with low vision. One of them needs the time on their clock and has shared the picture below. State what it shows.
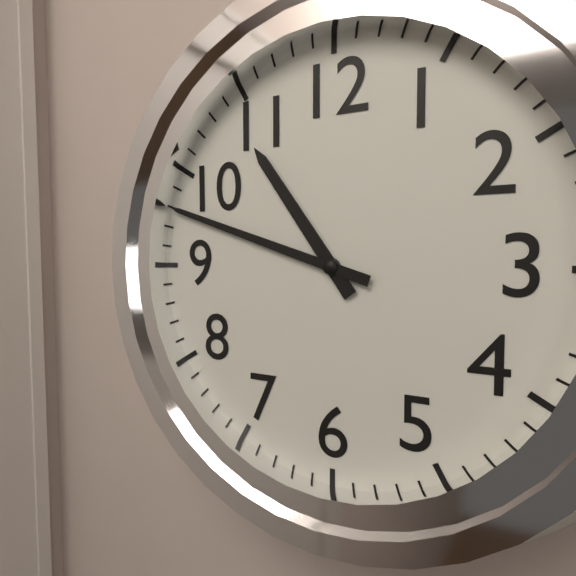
10:48
